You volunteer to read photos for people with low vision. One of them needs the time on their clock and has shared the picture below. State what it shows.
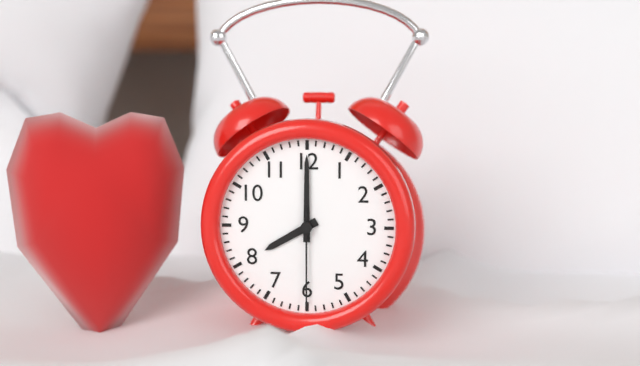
8:00:30
